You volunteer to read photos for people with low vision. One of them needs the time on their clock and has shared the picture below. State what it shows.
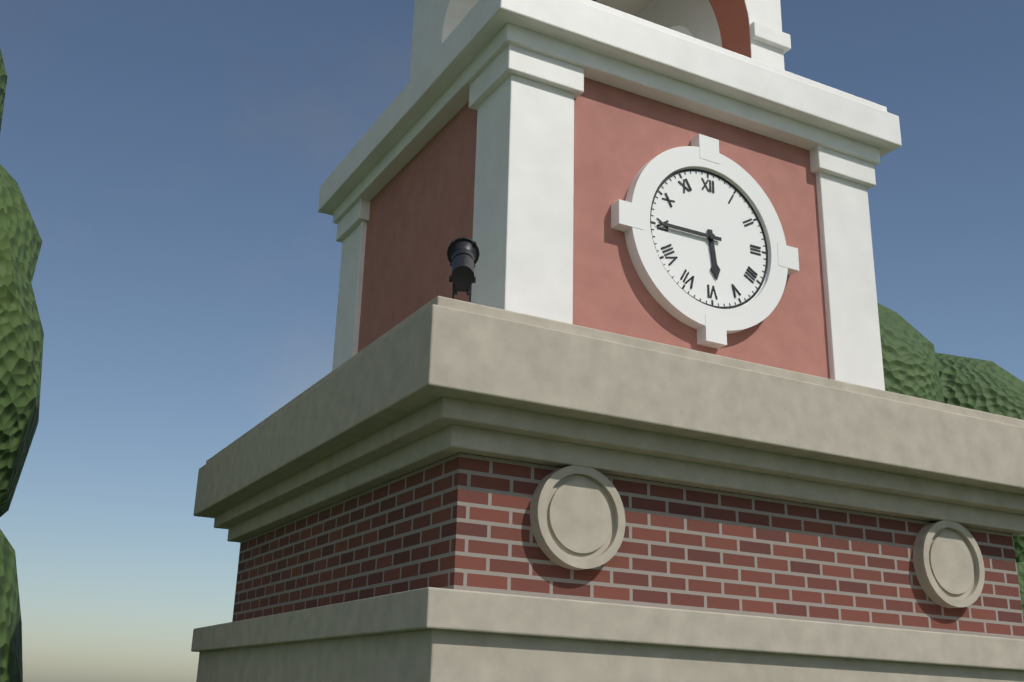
5:45
